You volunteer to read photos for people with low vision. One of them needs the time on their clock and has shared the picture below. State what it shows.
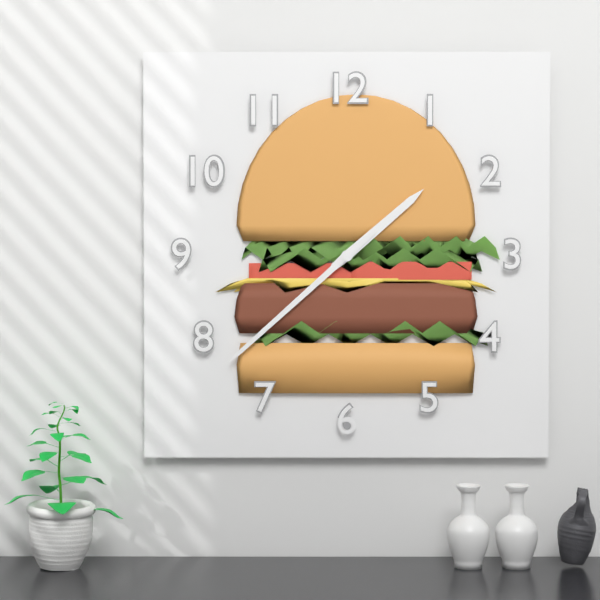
1:38
